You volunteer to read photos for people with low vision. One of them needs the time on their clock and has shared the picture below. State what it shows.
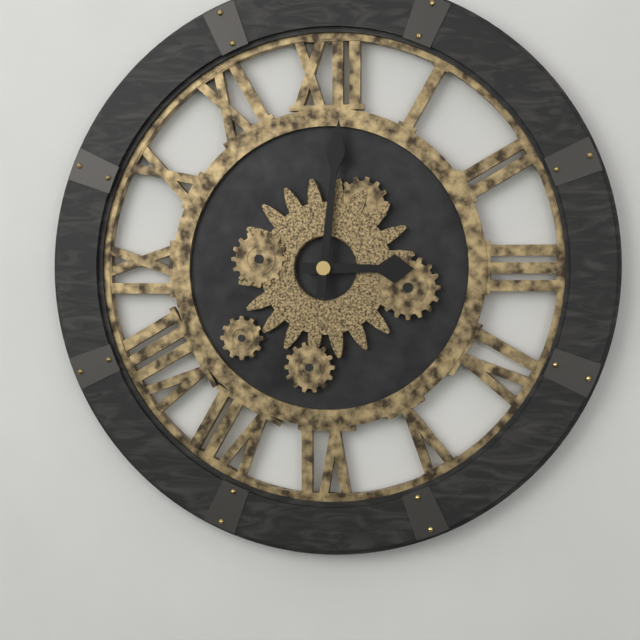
3:01
